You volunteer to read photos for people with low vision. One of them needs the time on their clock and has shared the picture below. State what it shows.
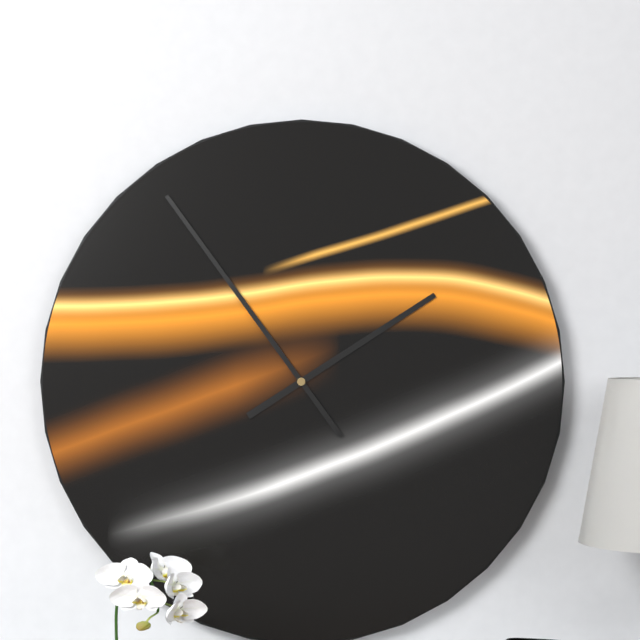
1:54
